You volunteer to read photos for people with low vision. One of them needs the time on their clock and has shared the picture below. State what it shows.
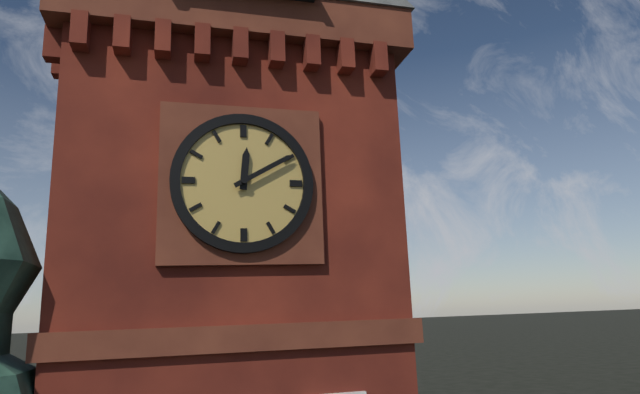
12:10
